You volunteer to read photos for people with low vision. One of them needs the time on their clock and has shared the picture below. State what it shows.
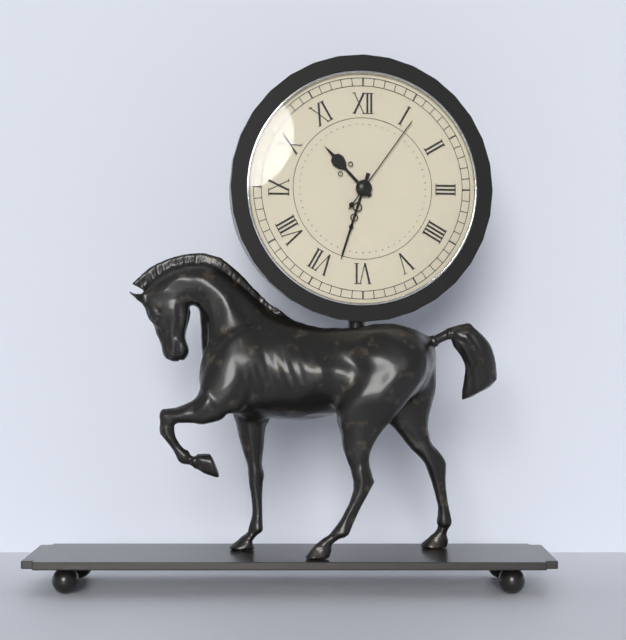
10:33:06
